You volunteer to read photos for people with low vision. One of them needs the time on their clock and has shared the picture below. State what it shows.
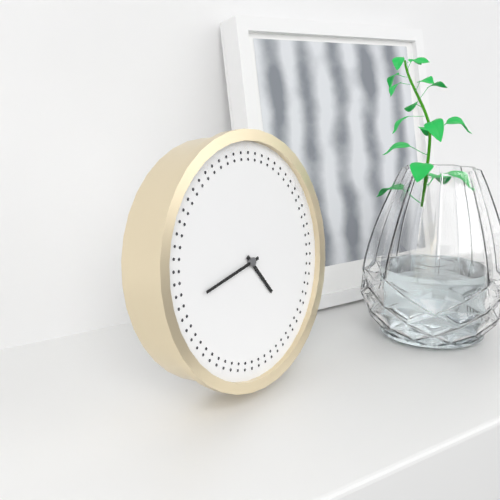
4:43
